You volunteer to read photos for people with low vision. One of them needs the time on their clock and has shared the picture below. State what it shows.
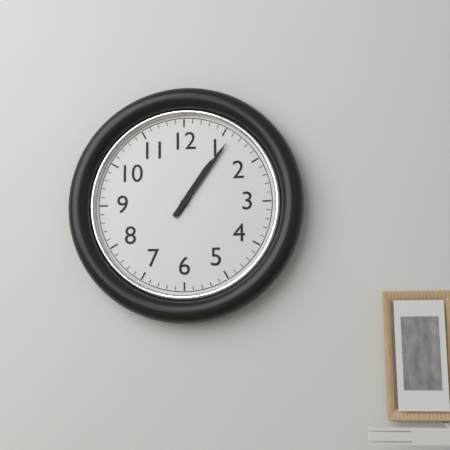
1:06
